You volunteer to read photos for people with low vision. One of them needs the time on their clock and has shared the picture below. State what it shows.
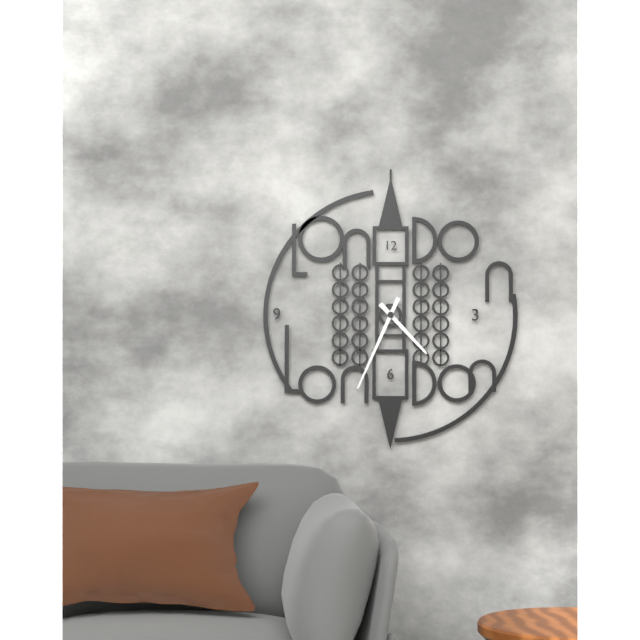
4:34
